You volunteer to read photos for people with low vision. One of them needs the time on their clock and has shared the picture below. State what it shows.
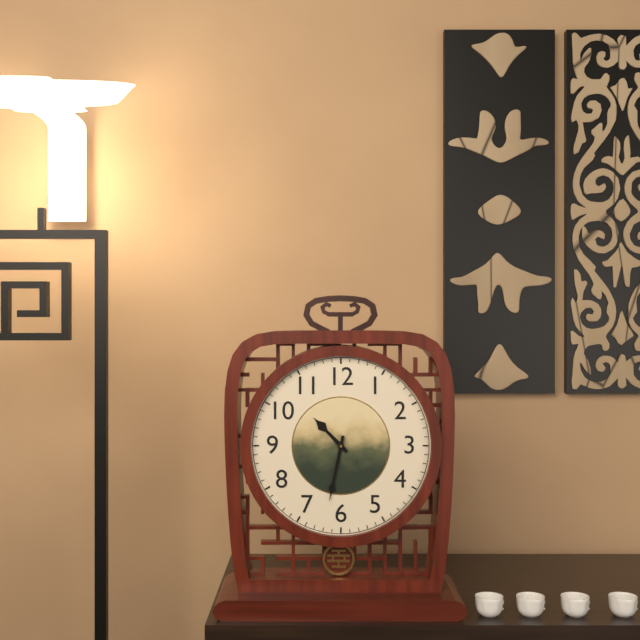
10:32
